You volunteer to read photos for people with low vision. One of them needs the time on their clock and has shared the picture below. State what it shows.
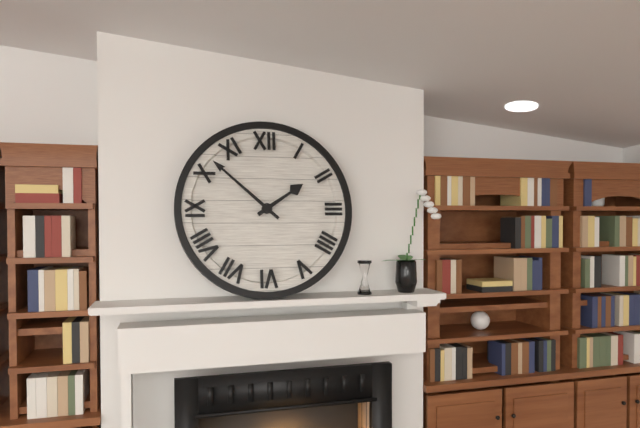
1:52
